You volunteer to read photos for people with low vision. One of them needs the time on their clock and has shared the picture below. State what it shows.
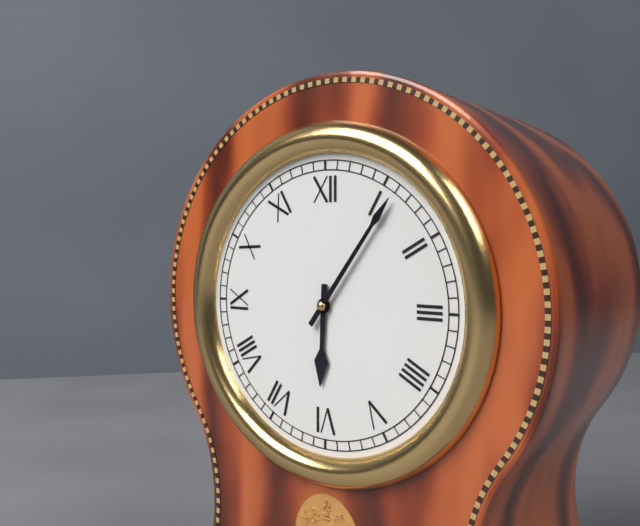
6:06
